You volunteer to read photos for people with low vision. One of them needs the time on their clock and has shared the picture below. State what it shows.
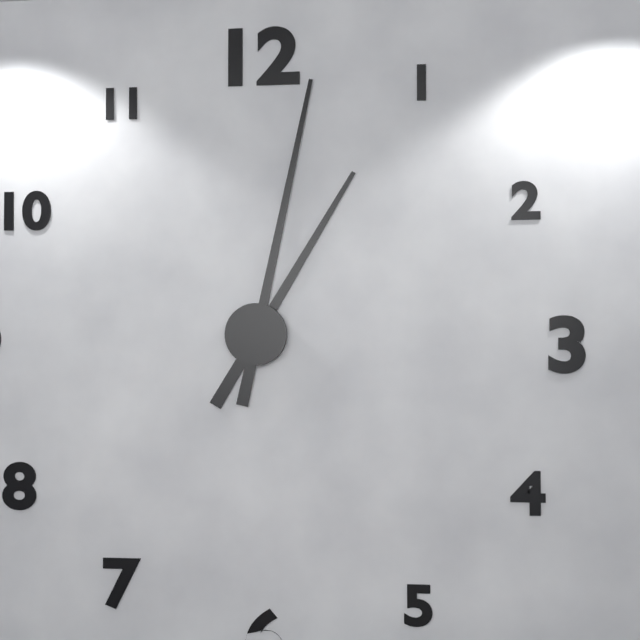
1:02
